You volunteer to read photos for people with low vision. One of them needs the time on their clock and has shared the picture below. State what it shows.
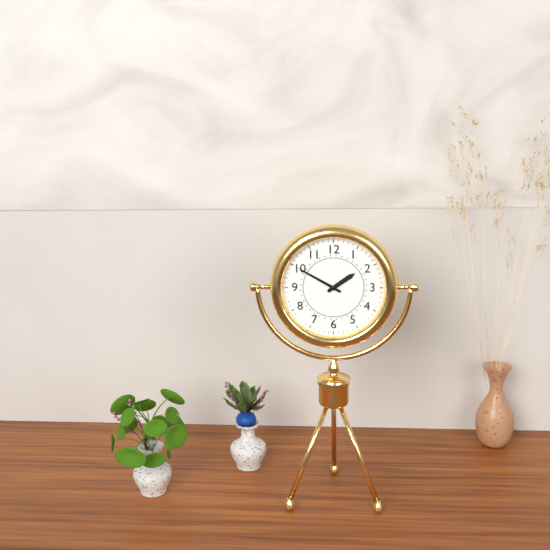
1:50
